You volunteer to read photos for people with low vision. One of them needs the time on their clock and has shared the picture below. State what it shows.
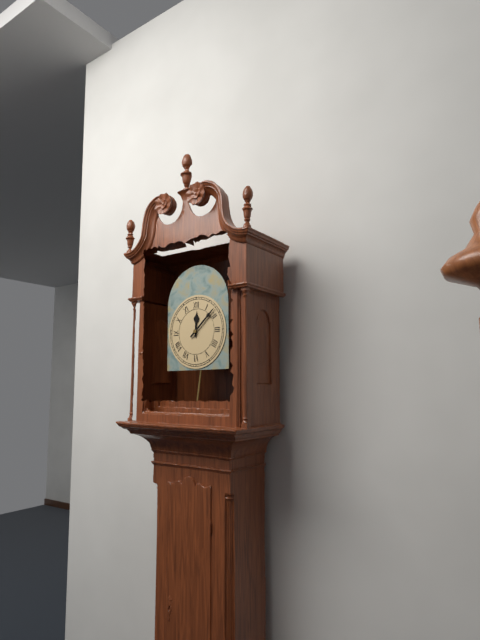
12:08
